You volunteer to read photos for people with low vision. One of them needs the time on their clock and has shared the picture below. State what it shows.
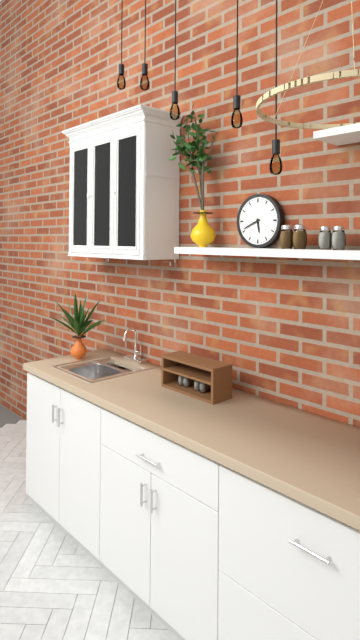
5:41
